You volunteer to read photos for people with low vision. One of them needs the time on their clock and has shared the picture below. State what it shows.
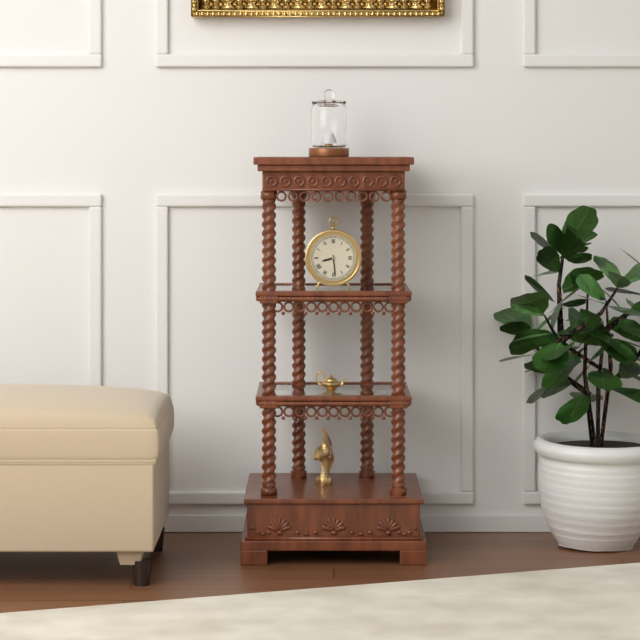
8:29
